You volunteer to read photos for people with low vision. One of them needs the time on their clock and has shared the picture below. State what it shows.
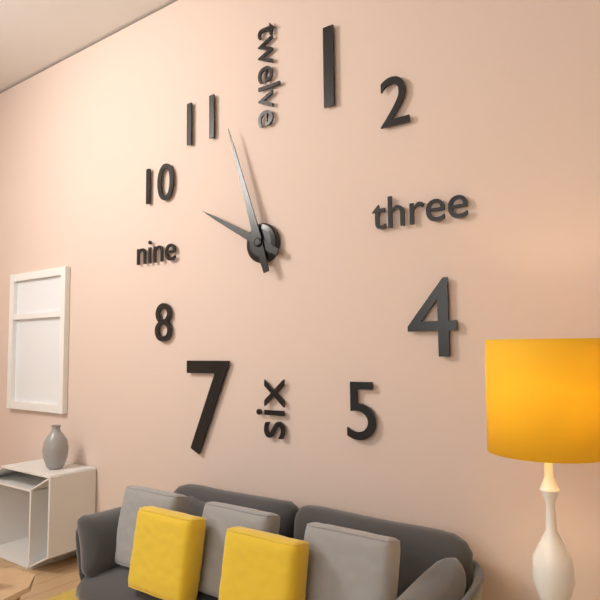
9:57
